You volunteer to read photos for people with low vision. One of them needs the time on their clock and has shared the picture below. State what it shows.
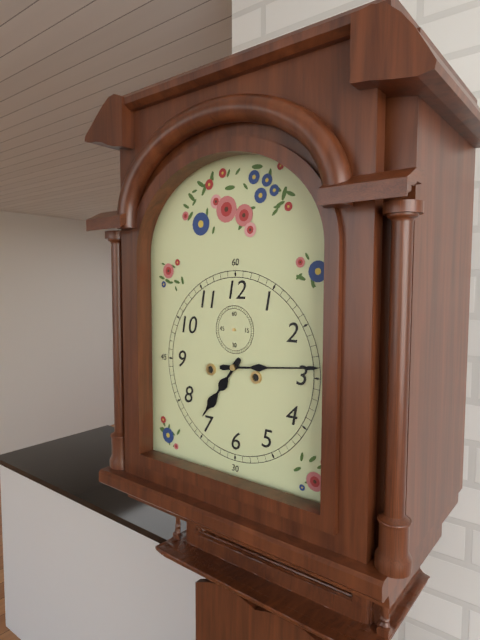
7:14
